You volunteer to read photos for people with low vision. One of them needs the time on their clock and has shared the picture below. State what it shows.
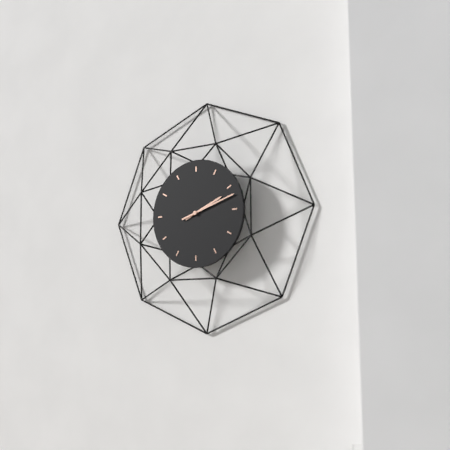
2:12
